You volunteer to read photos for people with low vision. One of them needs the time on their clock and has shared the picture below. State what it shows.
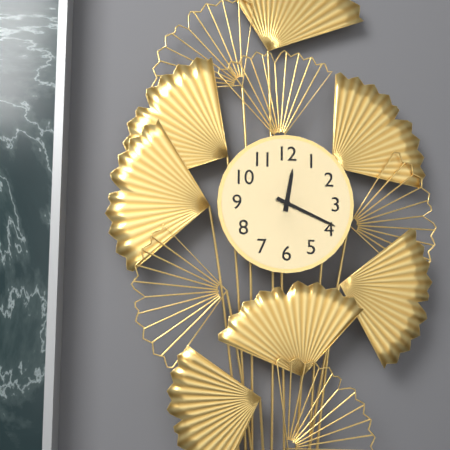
12:19
